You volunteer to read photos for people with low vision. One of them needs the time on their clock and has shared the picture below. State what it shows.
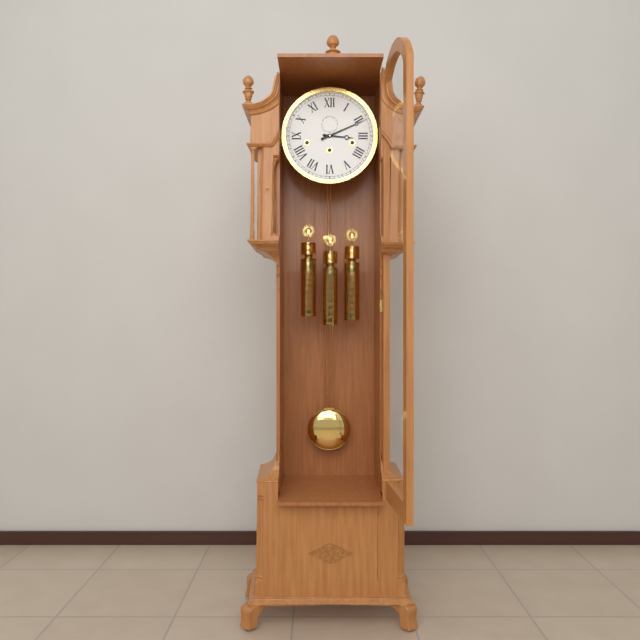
3:11
